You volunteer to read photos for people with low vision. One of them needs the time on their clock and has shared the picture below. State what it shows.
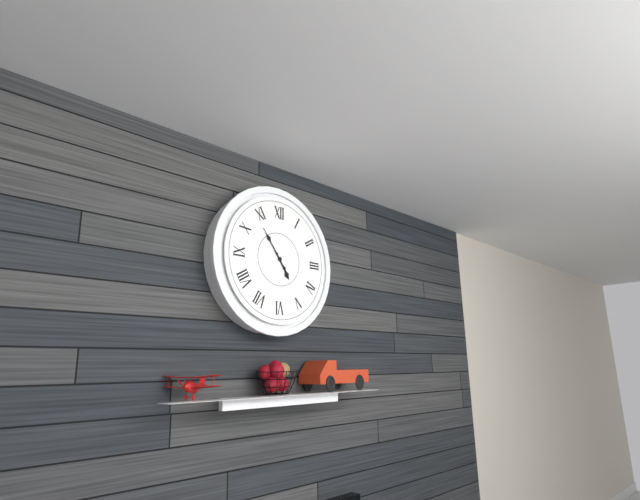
4:54
